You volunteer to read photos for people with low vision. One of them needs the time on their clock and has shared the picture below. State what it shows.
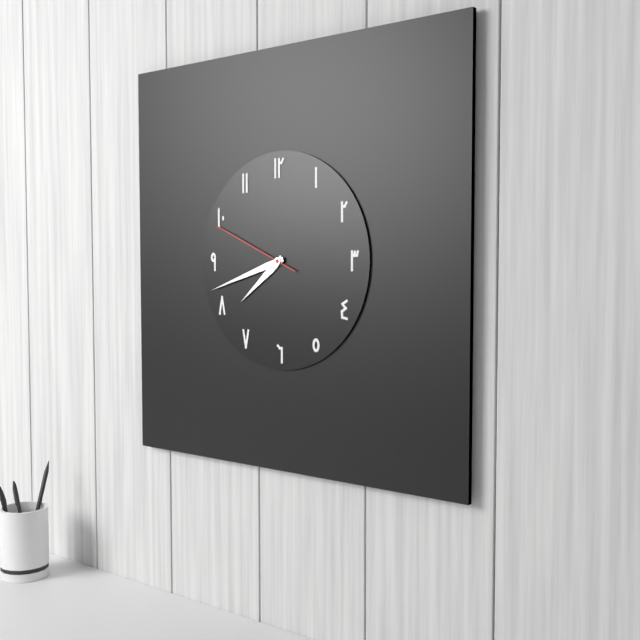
7:42:49
